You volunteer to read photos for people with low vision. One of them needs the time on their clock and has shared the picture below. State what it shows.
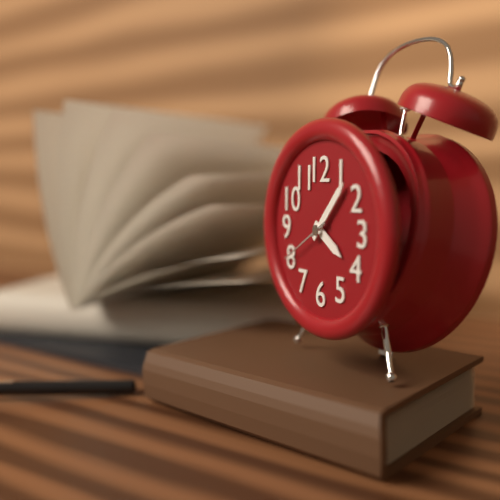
4:07:40
